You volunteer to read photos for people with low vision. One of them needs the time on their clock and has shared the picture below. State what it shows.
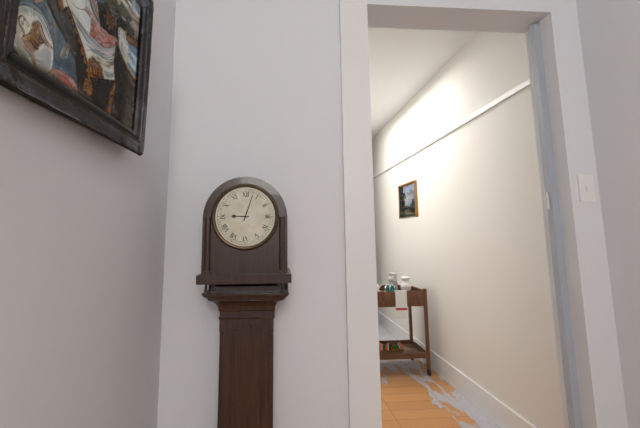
9:03
